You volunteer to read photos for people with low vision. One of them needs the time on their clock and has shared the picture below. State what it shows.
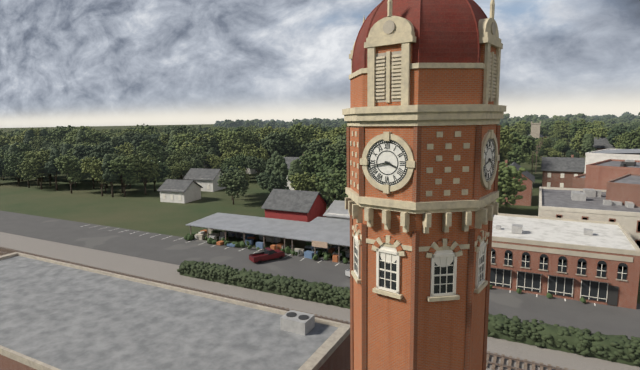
3:43
